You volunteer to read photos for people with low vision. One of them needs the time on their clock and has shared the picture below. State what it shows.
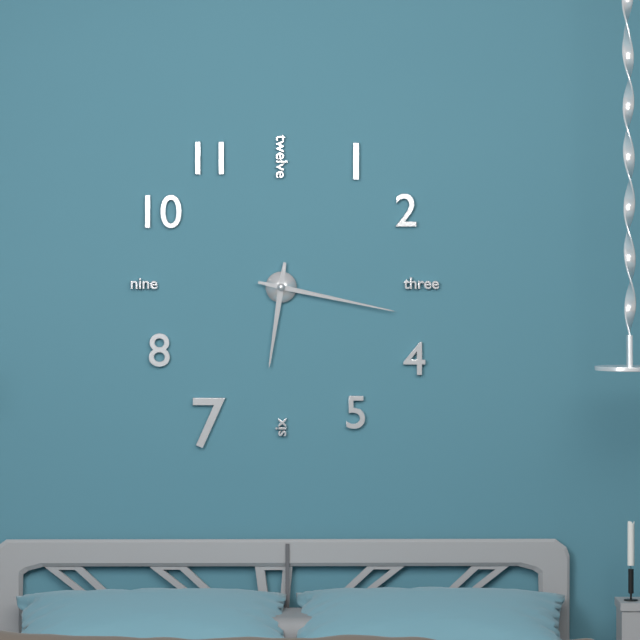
6:17
